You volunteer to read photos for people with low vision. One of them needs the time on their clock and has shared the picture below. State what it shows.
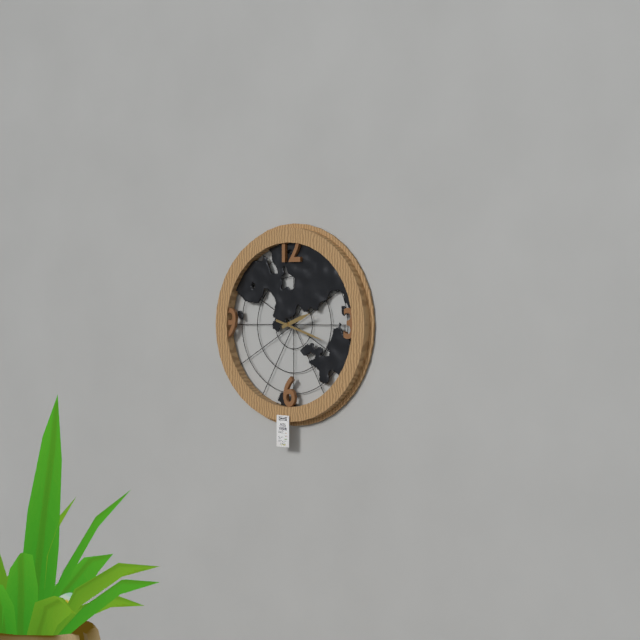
2:18
